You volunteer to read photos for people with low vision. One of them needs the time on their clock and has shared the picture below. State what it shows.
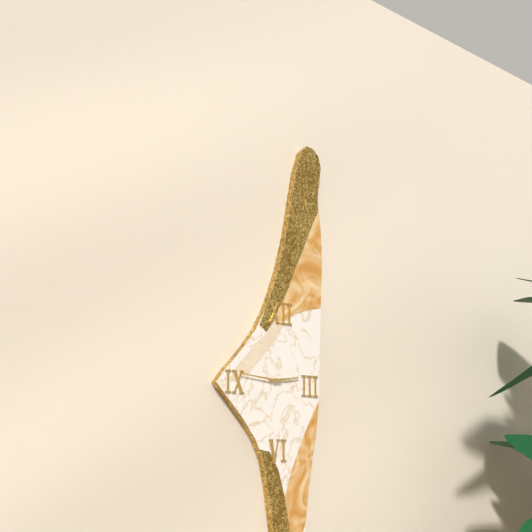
2:46
